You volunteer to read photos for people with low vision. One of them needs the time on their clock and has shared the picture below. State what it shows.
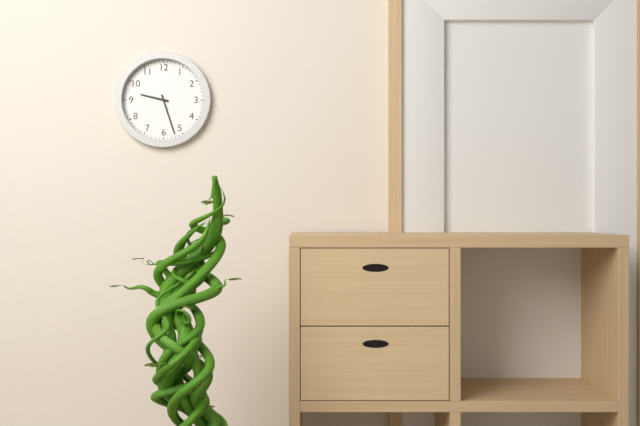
9:27
